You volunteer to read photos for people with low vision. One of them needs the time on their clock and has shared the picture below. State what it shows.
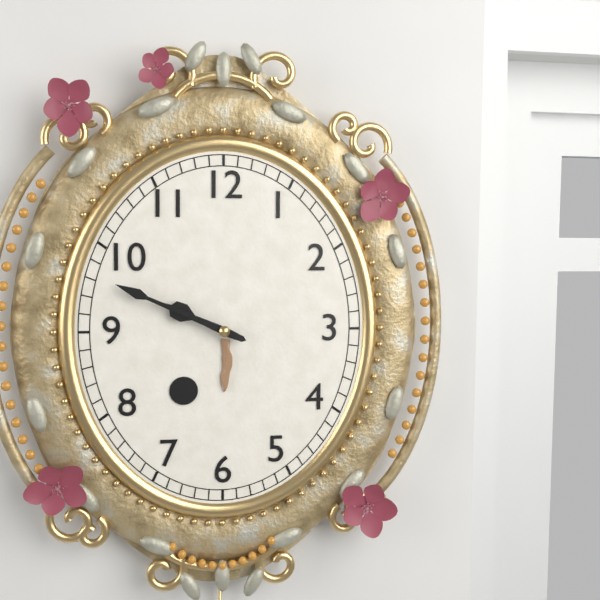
9:49
